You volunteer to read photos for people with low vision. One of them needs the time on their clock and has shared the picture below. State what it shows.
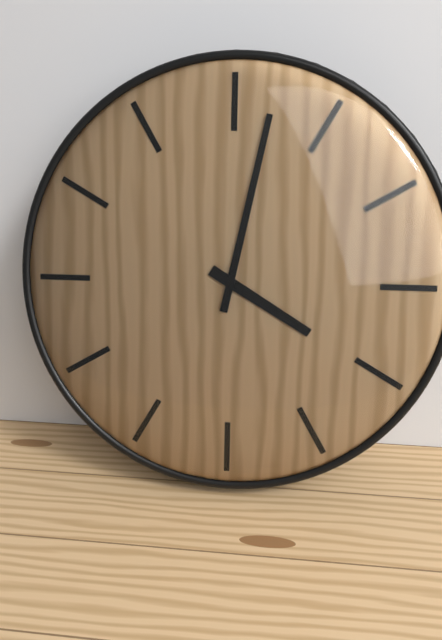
4:02
